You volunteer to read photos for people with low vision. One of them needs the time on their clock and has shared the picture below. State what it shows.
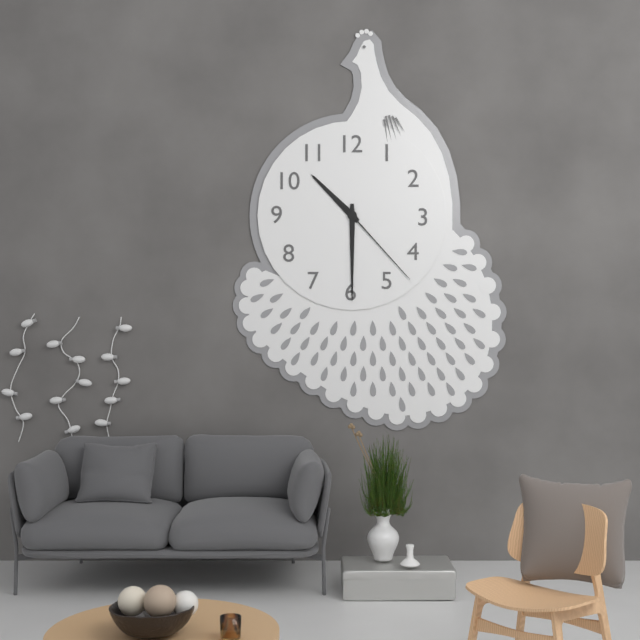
10:30:23
